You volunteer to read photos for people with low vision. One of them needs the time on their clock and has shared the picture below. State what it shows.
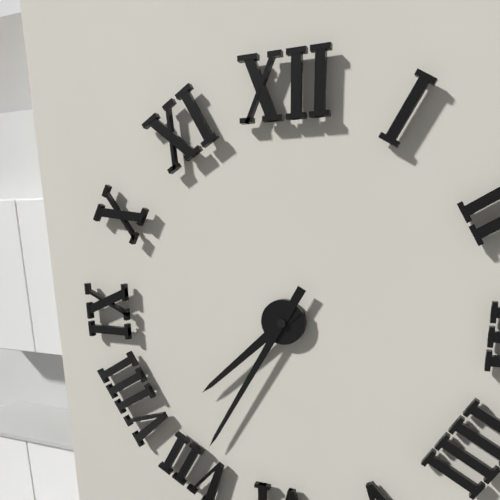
7:35
